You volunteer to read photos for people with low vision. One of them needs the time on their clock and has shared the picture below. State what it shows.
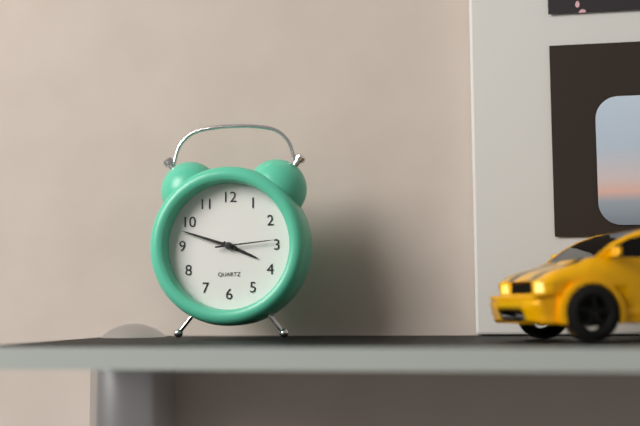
3:48:14
